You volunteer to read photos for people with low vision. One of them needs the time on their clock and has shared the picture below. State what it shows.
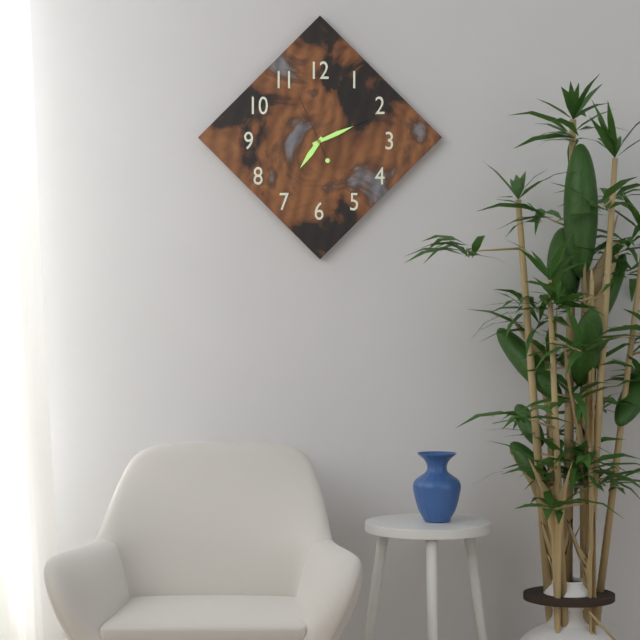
7:11:56
